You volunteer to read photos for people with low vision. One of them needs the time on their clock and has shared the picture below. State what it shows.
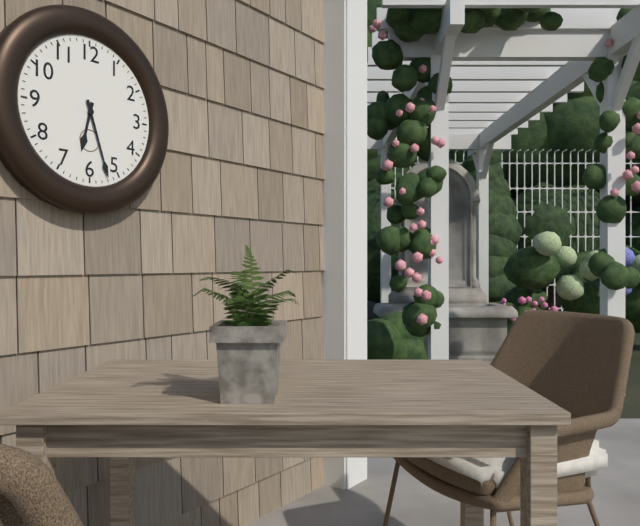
6:27
